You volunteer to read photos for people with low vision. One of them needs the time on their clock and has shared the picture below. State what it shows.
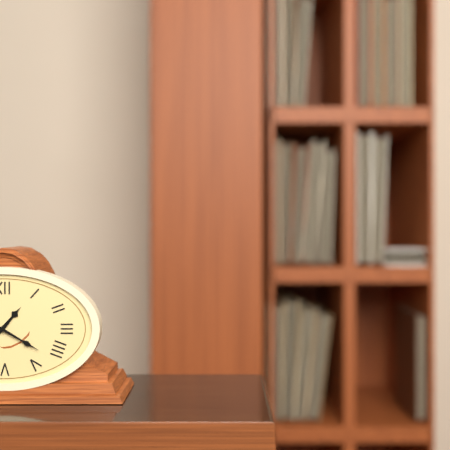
1:20
